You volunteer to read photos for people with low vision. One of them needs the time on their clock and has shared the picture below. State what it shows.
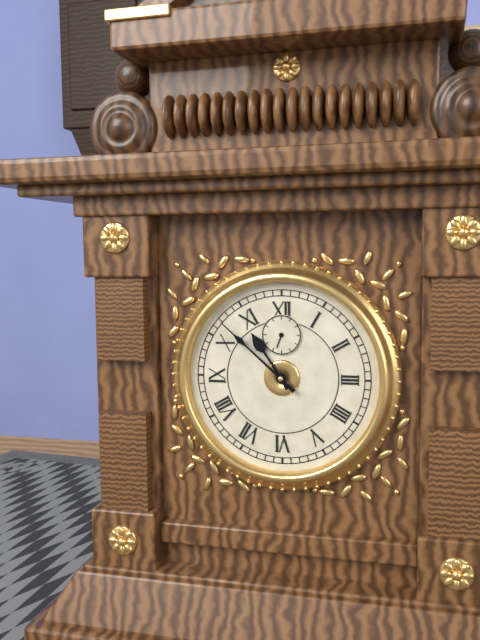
10:52
